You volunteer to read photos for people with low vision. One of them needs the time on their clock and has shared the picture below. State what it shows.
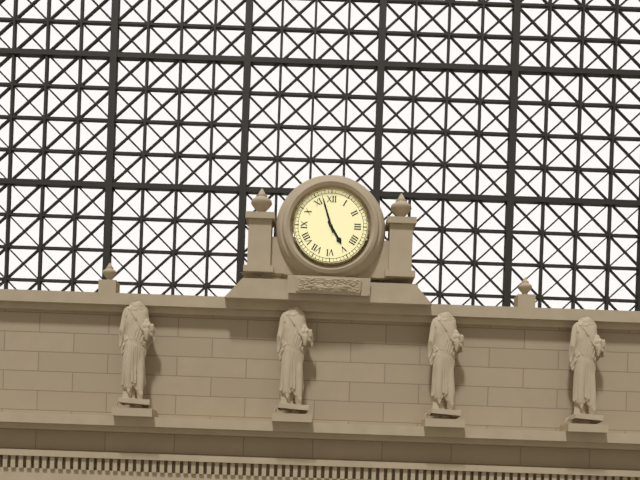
4:57
